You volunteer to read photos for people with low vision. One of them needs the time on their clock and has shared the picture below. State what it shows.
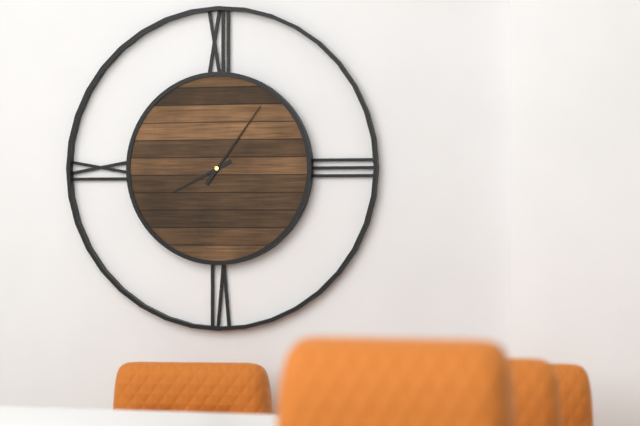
8:06
